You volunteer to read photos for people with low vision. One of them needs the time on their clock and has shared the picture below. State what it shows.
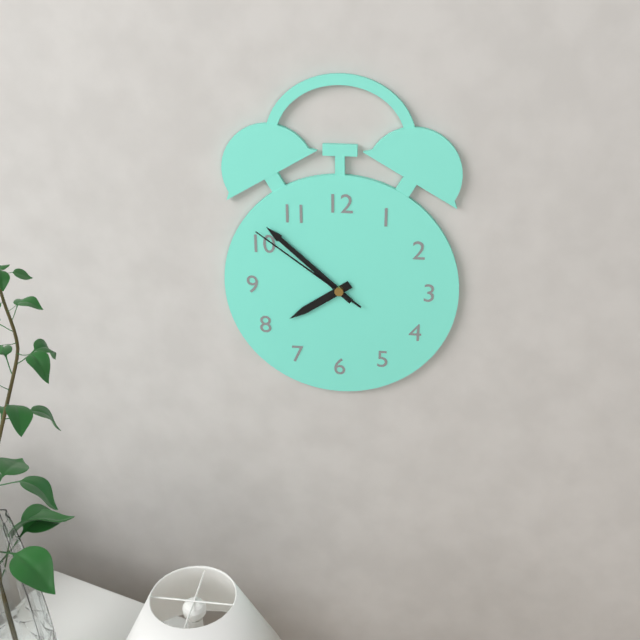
7:52:51
